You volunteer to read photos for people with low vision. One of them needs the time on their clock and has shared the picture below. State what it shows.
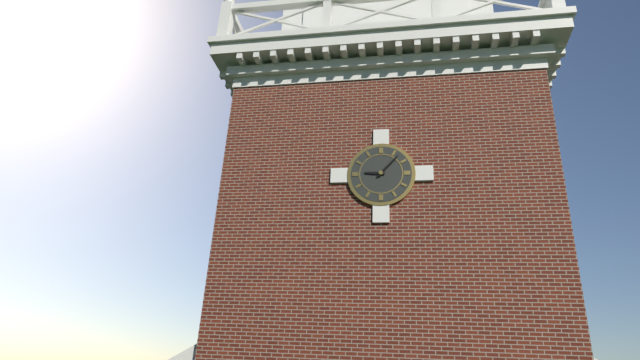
9:07
